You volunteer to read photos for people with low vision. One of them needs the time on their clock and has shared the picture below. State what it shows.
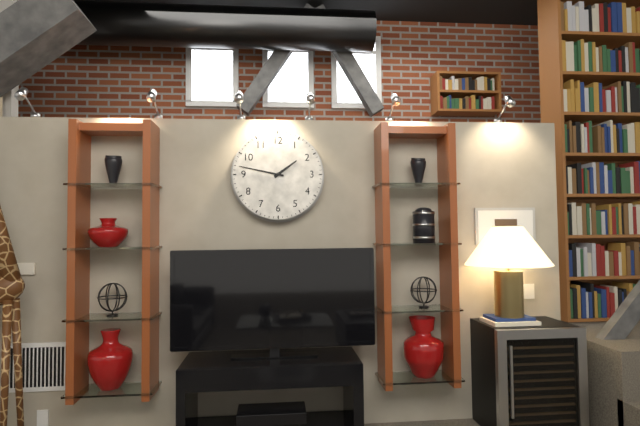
1:47
